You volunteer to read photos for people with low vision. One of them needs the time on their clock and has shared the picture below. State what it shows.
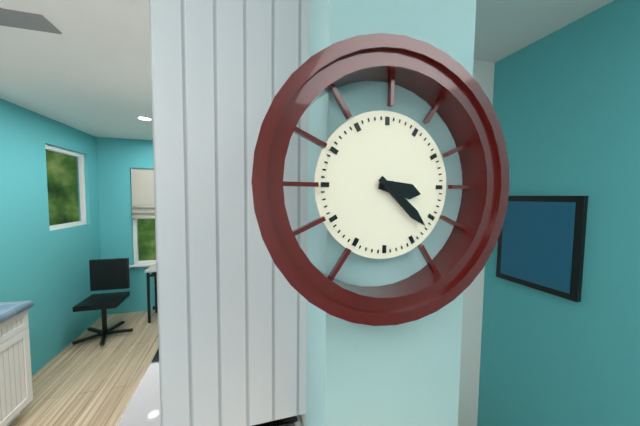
3:22
